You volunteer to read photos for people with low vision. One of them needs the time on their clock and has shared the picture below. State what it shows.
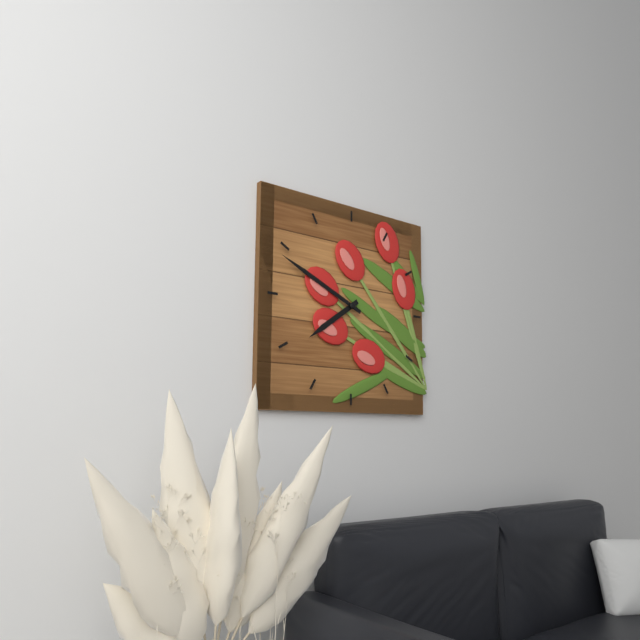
7:49
